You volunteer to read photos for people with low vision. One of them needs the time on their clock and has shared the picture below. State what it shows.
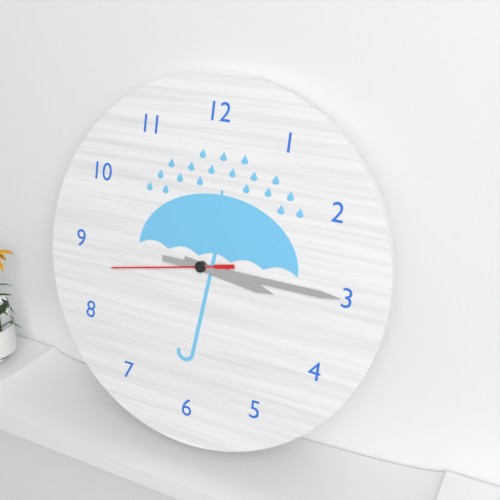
3:15:43
